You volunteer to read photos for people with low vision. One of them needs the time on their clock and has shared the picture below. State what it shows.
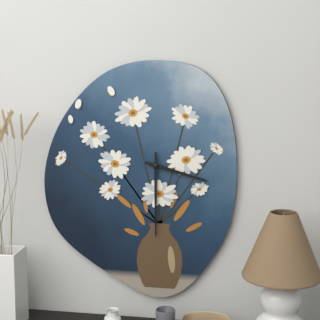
3:30
